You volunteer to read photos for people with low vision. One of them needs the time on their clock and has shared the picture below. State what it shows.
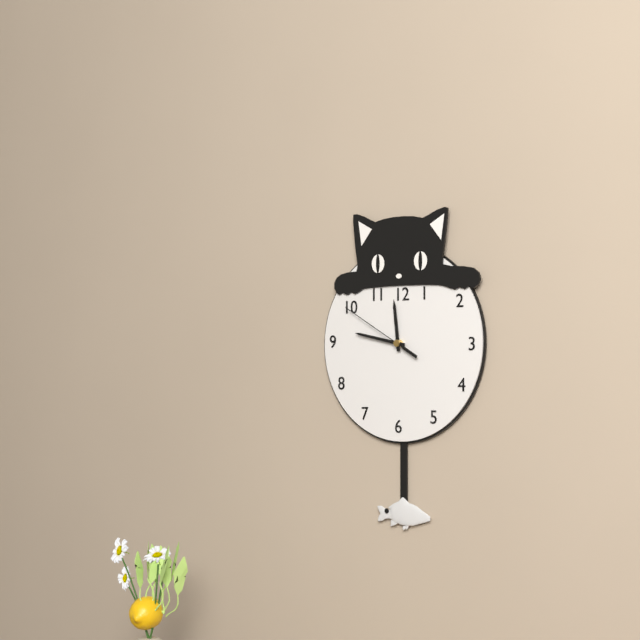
11:47:50
